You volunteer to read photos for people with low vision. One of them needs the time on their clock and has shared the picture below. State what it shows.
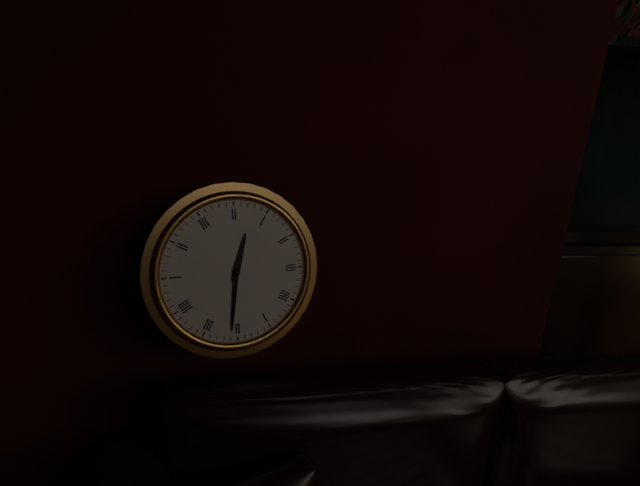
12:31
